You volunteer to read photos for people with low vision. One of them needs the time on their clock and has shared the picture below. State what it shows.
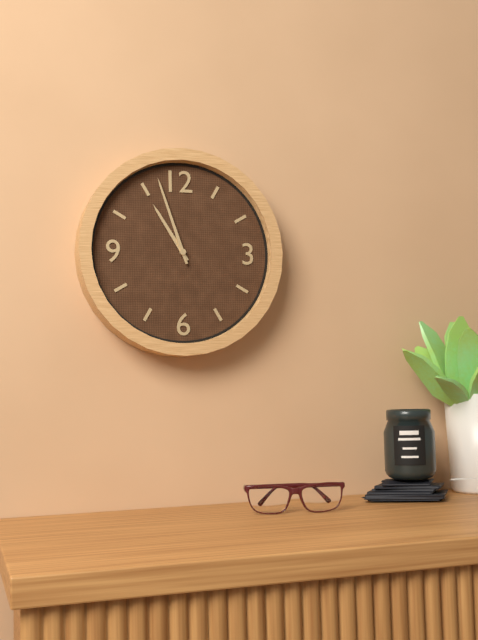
10:57
